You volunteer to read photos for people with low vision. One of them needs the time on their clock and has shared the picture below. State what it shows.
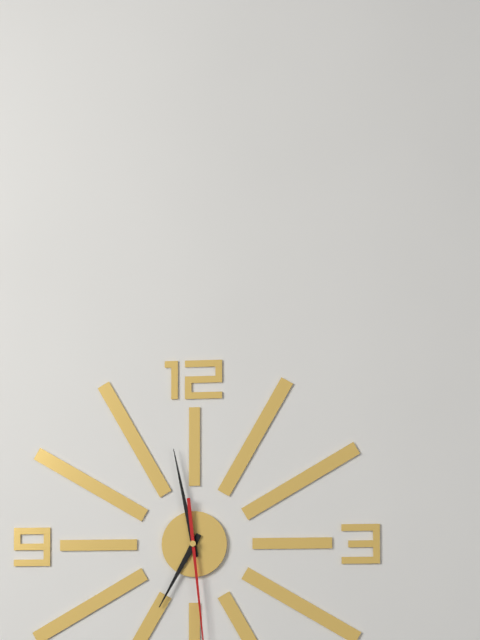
6:58
